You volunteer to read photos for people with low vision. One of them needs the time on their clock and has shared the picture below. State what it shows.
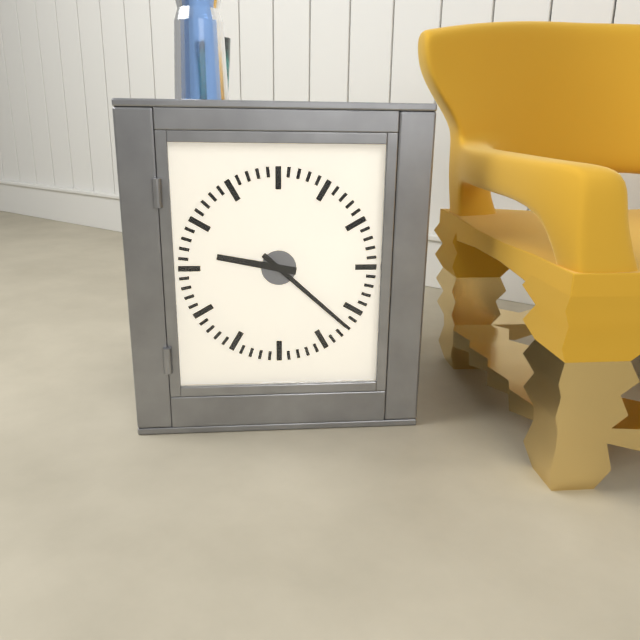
9:22
